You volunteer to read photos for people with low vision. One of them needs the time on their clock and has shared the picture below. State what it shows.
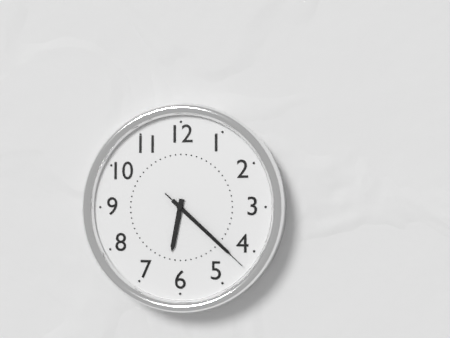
6:22:22
